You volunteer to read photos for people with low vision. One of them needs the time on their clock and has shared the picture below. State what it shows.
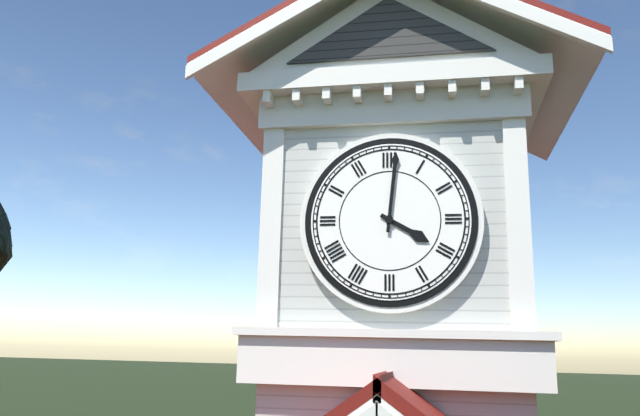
4:01
